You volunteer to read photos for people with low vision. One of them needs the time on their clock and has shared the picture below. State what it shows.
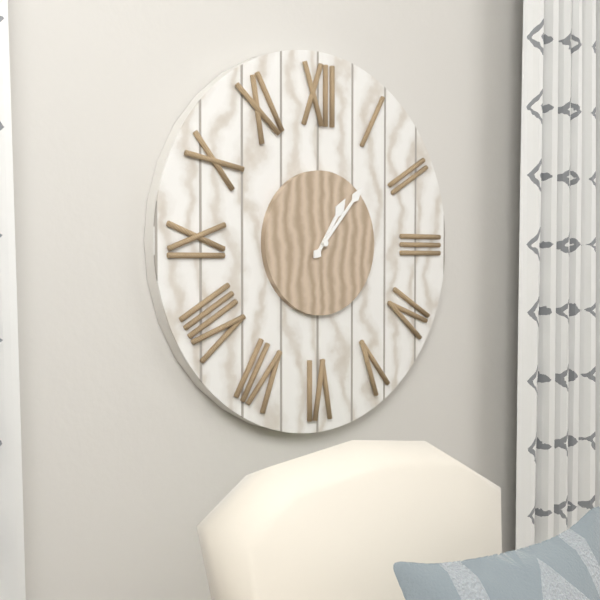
1:07
